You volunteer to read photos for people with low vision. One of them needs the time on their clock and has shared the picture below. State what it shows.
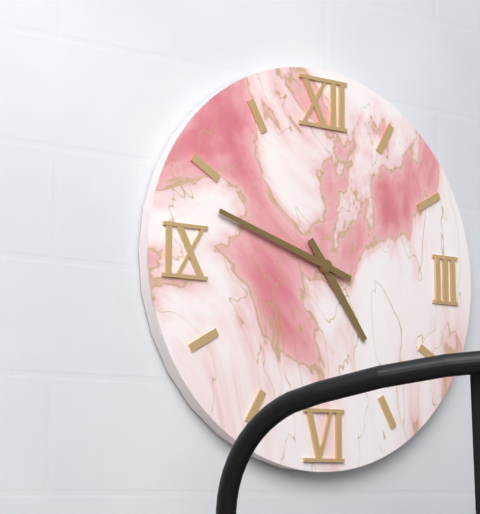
4:48
